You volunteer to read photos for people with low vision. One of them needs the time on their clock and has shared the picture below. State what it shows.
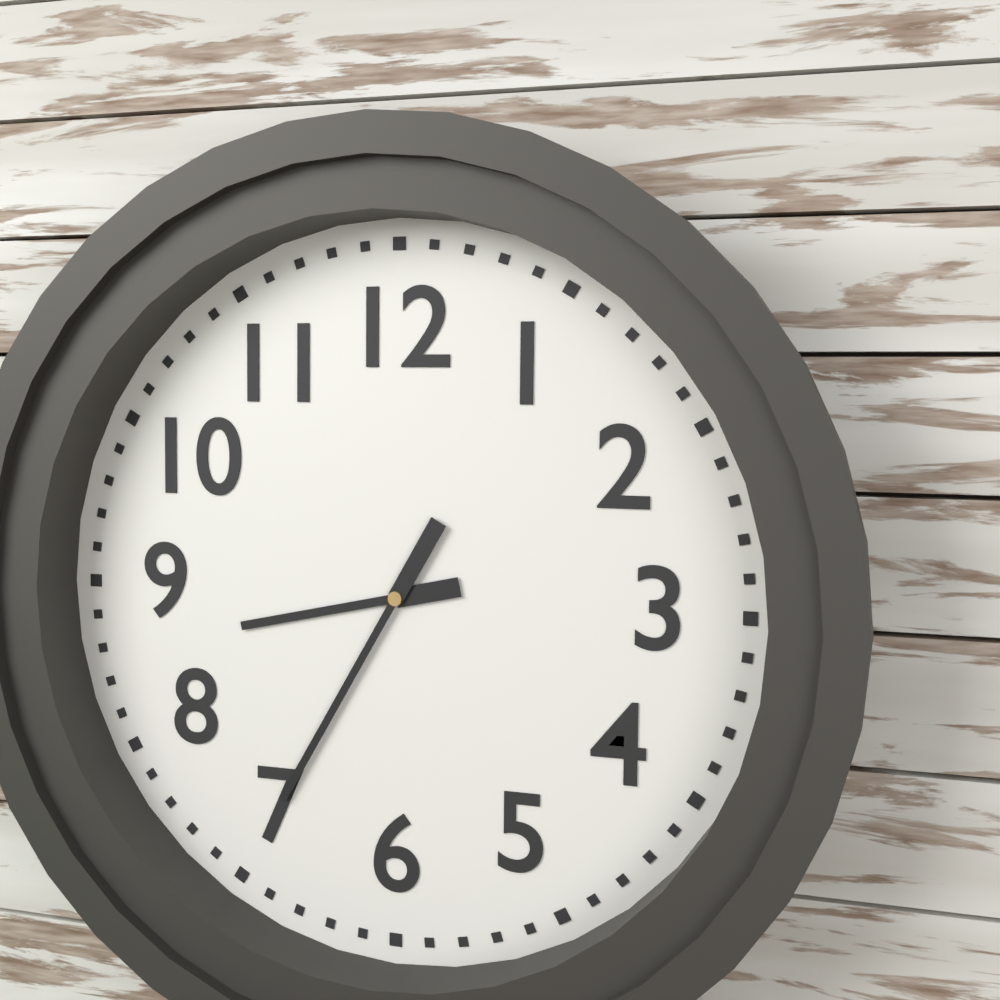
8:35
